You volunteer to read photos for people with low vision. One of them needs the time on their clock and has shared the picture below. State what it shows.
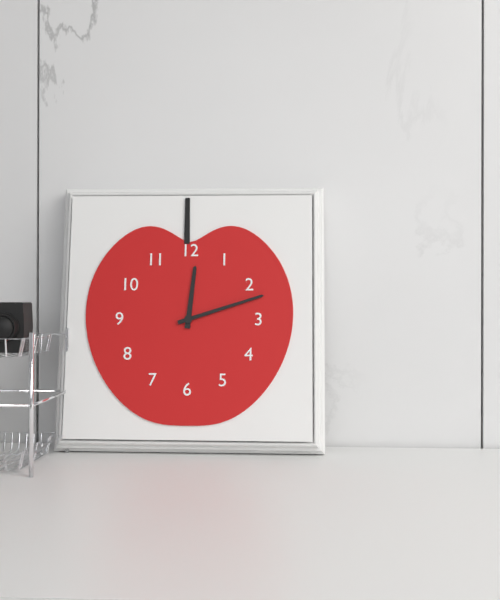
12:12
